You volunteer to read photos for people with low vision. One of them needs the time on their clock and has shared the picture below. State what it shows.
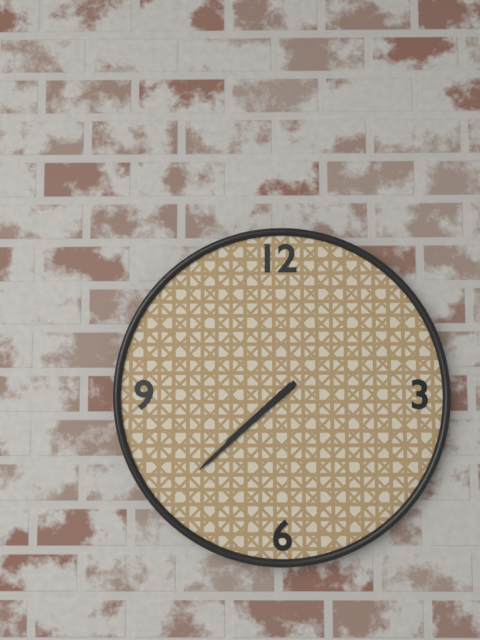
7:38
